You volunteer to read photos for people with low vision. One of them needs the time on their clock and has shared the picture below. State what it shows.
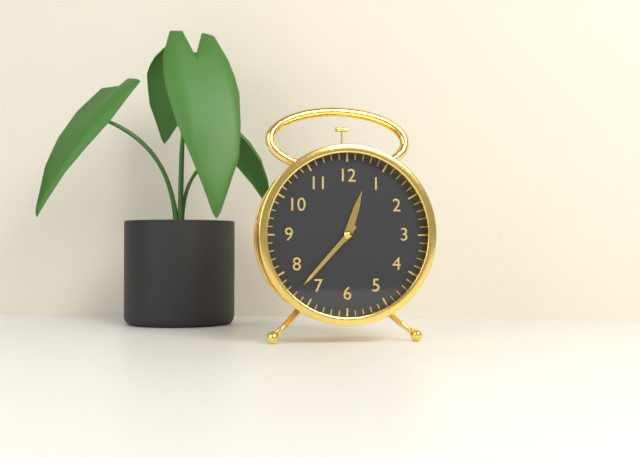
12:37
